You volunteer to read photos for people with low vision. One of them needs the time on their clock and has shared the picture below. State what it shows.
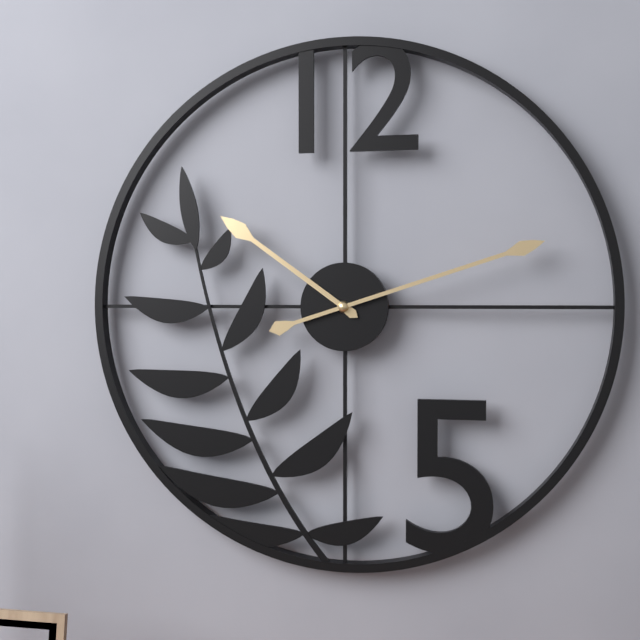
10:12
